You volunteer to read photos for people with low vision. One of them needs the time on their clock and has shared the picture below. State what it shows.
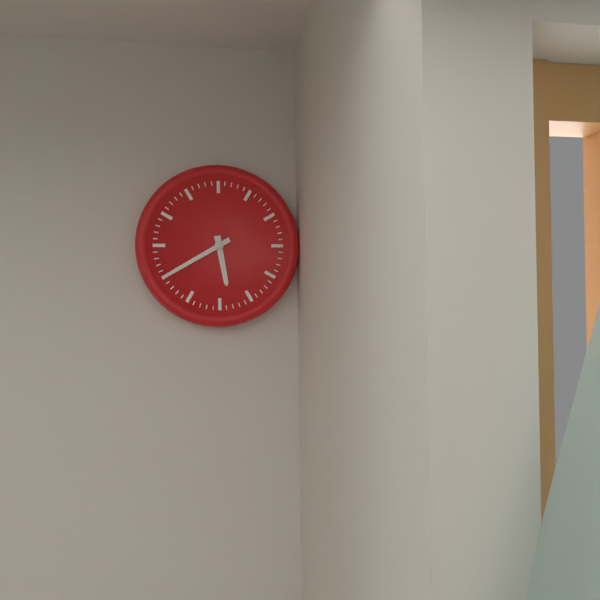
5:40
